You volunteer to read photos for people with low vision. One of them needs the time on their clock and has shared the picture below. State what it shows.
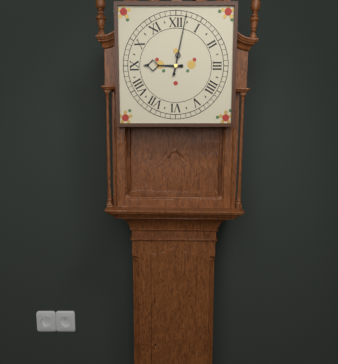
9:02
